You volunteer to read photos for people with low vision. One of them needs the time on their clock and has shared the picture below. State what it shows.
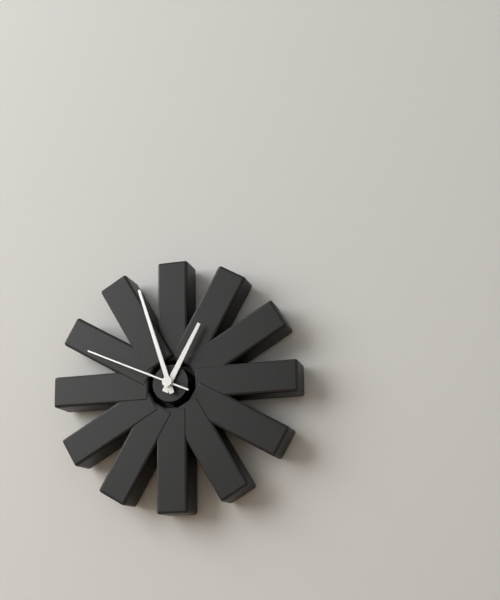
12:57:49
